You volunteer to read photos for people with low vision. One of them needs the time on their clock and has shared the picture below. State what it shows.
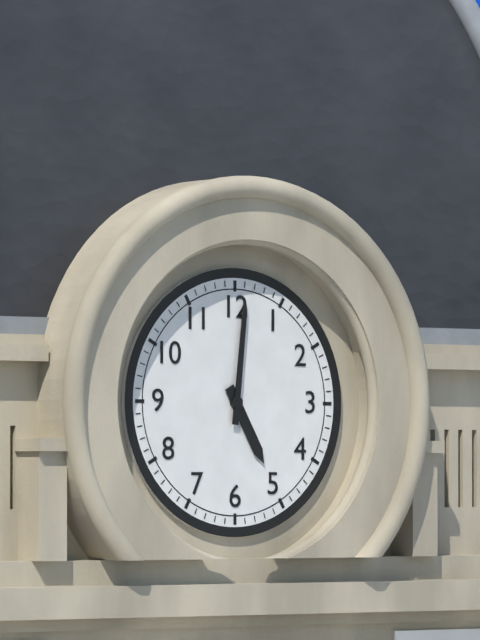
5:01
